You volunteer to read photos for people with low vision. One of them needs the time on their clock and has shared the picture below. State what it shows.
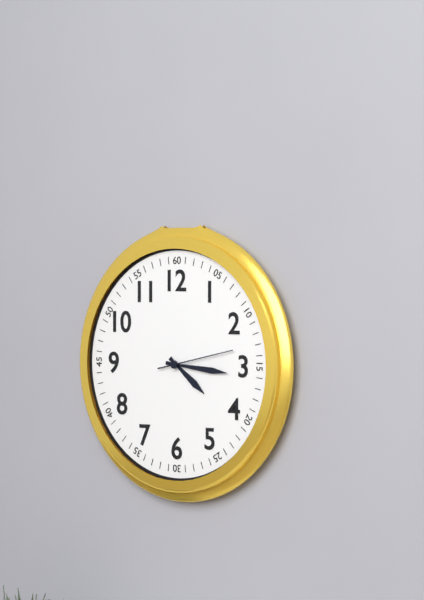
4:16:13
